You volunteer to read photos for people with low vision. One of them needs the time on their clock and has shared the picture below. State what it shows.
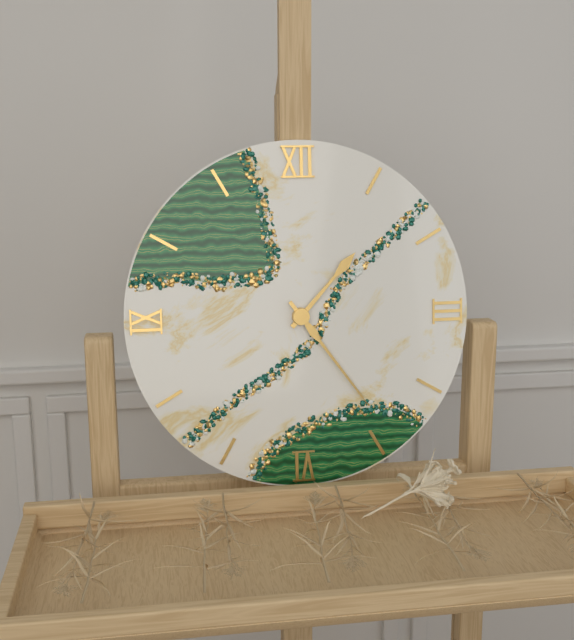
1:24
